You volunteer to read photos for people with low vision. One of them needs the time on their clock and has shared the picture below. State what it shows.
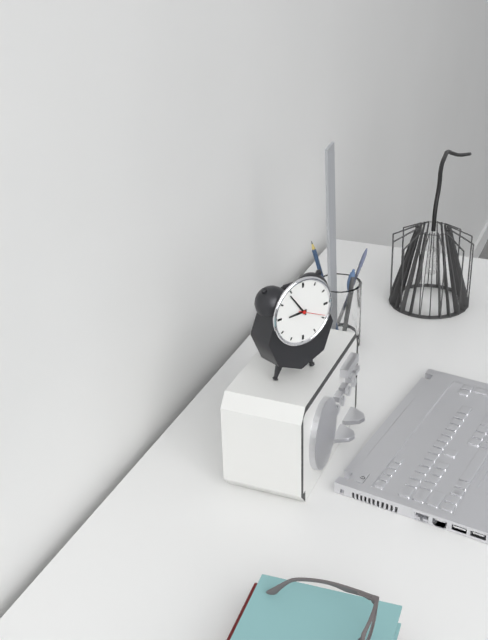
8:54
